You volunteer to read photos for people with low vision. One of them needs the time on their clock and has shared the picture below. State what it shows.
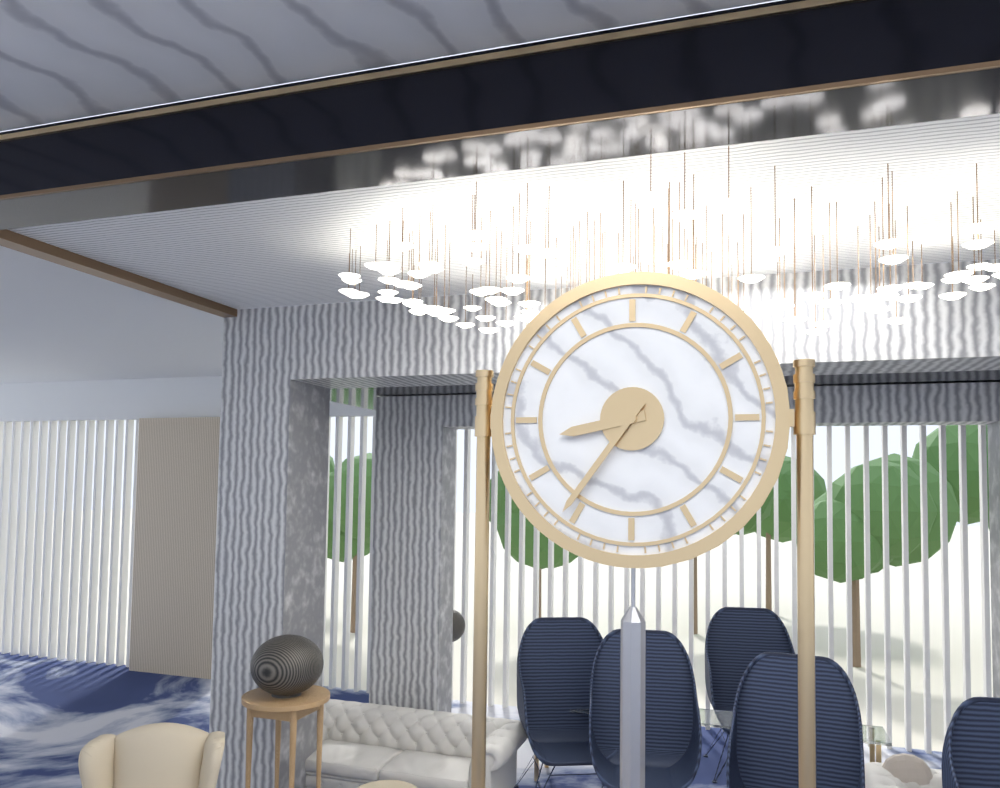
8:36
